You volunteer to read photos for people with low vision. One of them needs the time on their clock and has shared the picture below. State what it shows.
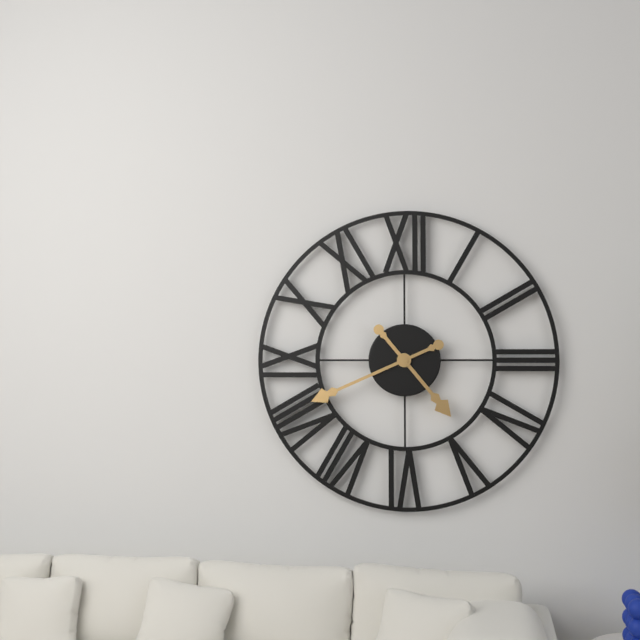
4:41
